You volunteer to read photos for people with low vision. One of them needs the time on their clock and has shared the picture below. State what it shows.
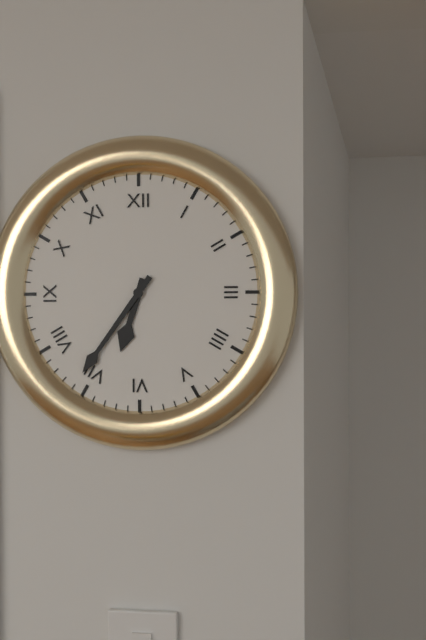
6:36
